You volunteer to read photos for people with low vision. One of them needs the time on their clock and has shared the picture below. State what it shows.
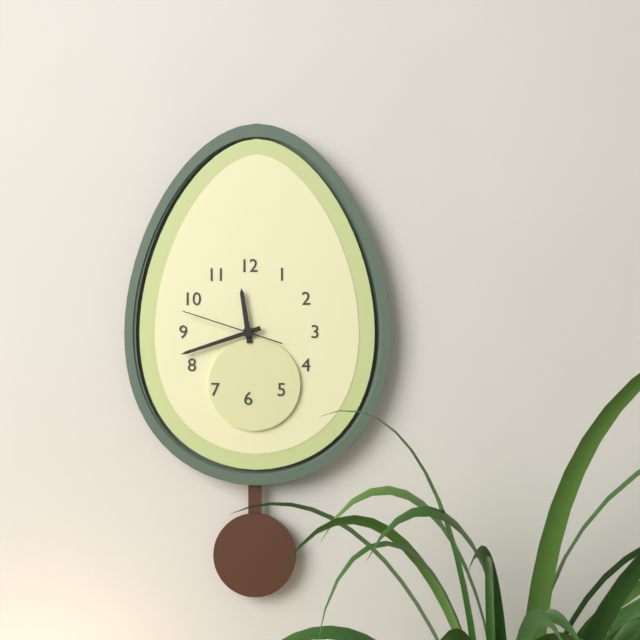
11:42:48
